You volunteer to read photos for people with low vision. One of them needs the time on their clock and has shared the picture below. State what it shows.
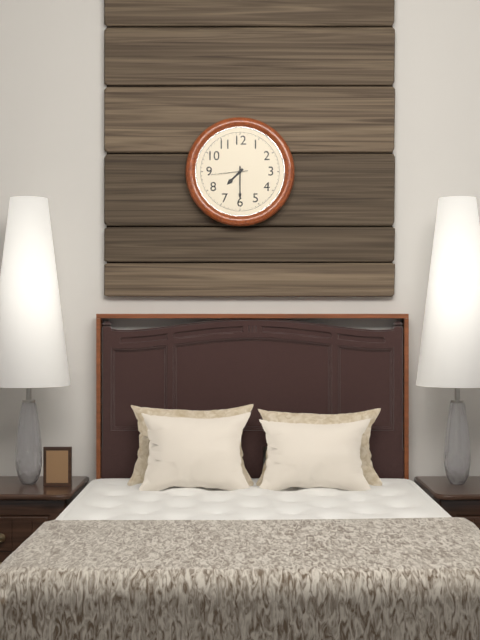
7:30
